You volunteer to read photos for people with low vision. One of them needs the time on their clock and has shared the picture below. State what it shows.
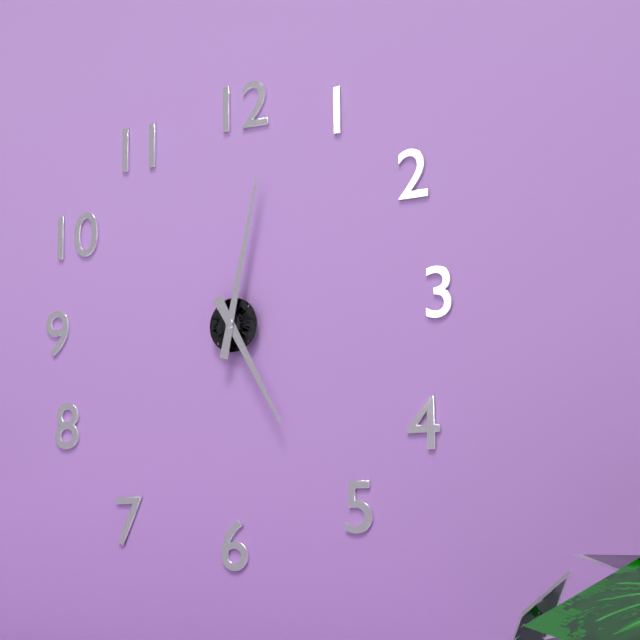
5:02
